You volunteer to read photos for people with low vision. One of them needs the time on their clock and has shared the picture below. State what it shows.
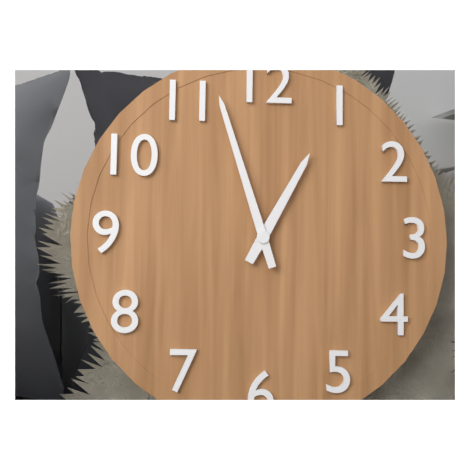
12:57
